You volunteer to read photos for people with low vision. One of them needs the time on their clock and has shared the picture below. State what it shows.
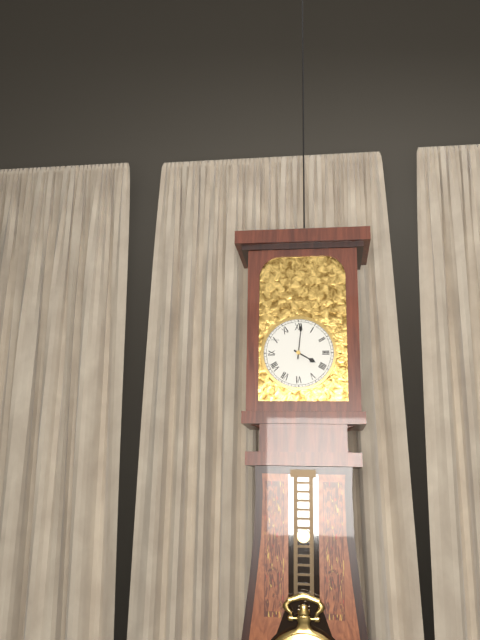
4:01
